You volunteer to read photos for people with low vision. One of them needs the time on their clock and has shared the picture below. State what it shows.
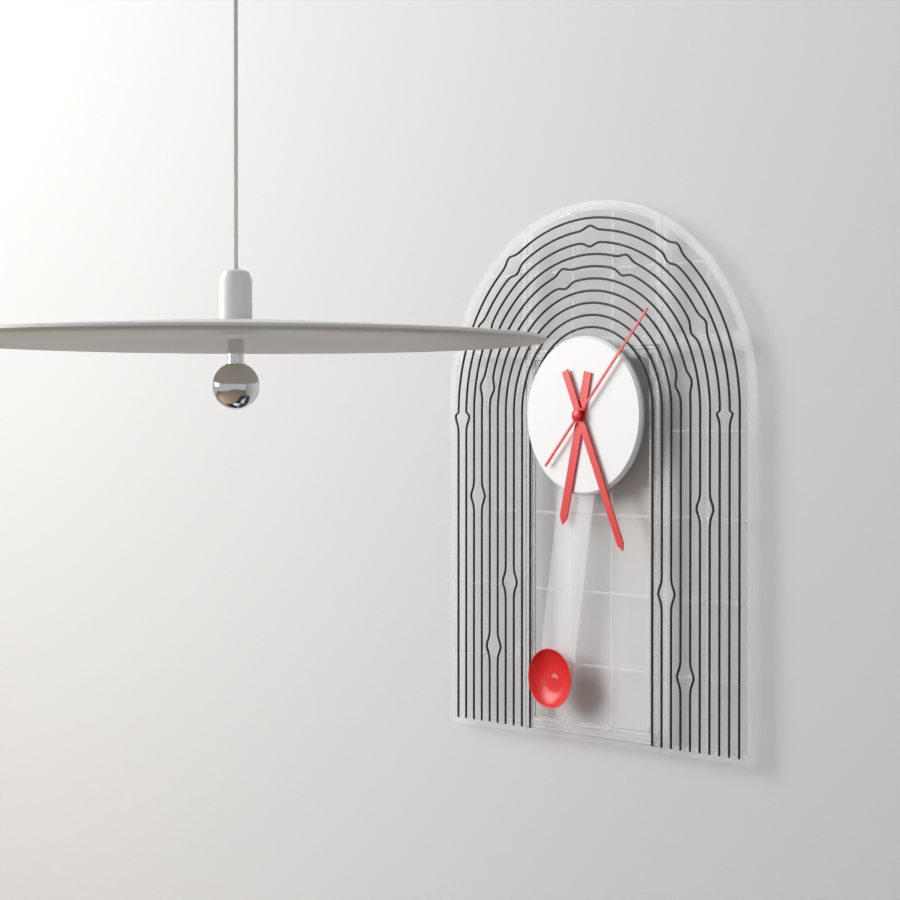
6:26:07
